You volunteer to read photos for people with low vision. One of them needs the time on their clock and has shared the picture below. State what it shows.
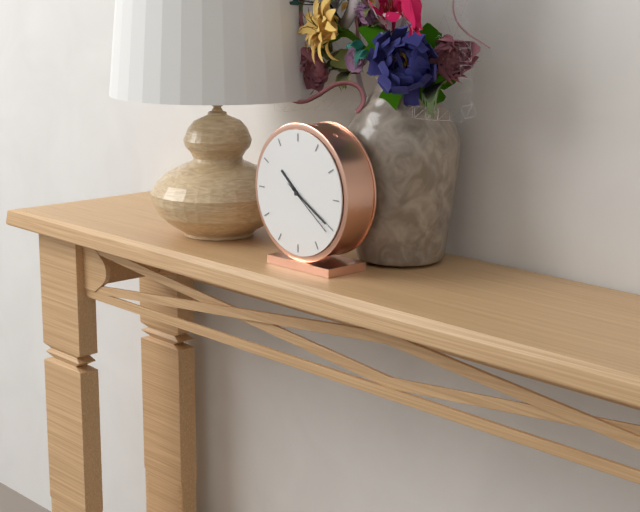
10:20:21
